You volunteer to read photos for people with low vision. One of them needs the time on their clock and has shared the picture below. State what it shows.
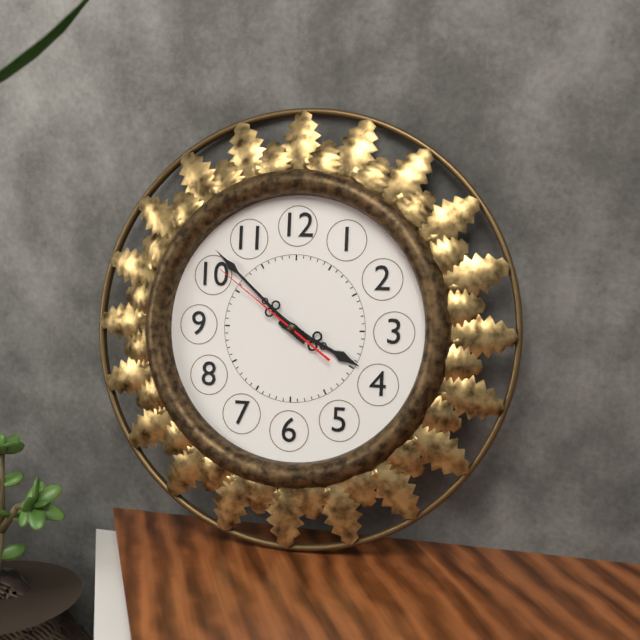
3:52:51
